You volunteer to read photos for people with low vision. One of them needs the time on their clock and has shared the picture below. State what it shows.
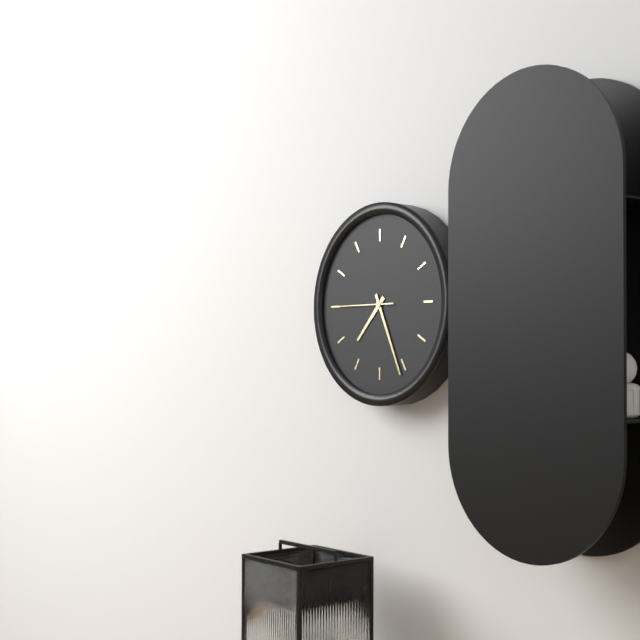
7:26:45
